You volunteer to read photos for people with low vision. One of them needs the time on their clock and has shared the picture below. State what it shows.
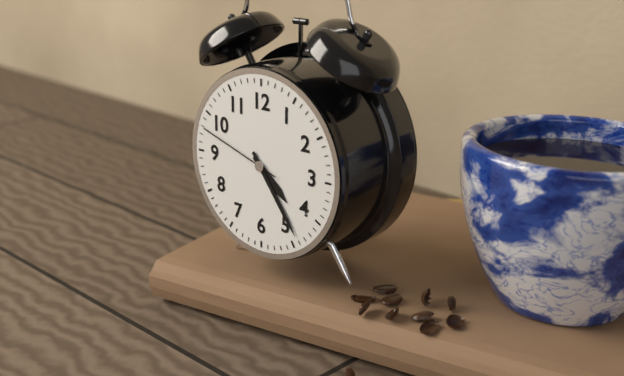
4:24:48
